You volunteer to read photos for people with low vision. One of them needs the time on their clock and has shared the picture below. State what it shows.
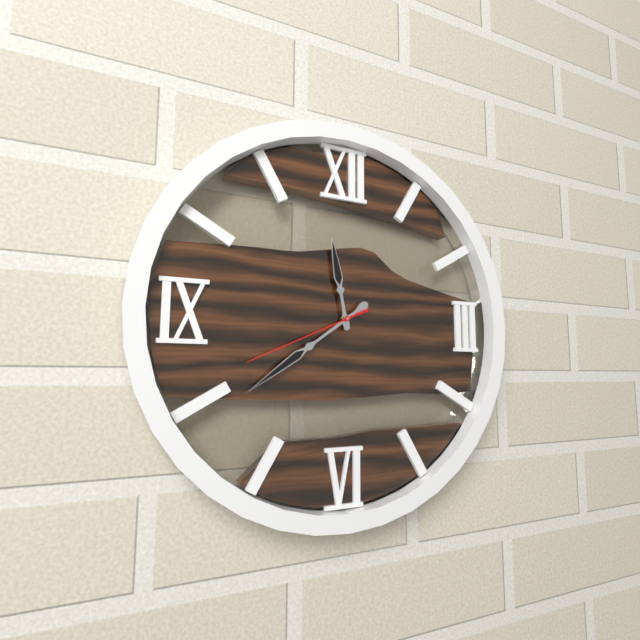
11:39:41
